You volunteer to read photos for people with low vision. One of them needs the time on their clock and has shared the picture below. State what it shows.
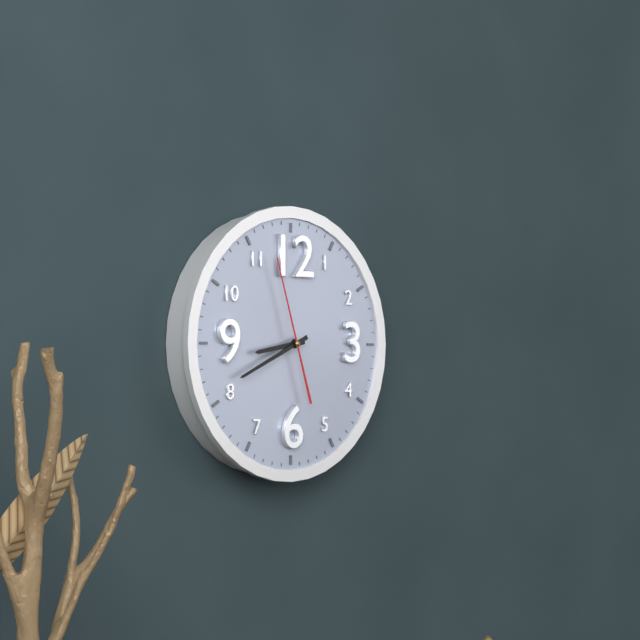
8:41:57
